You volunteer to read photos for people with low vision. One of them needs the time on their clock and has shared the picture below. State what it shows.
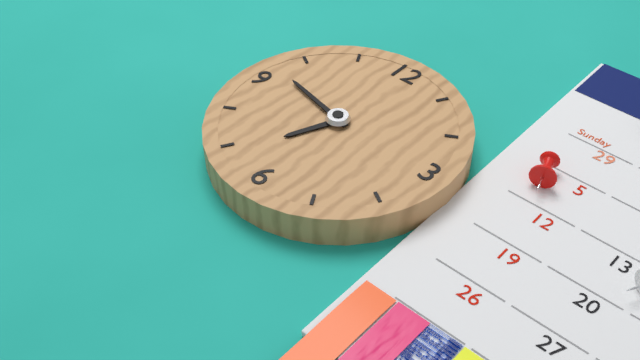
6:47
